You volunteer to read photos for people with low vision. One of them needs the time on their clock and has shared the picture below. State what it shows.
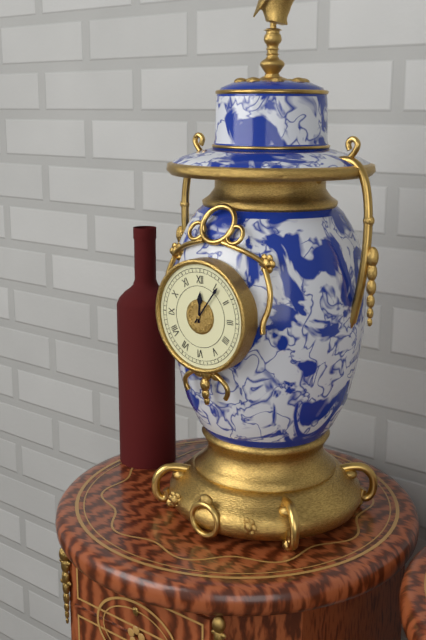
12:06
